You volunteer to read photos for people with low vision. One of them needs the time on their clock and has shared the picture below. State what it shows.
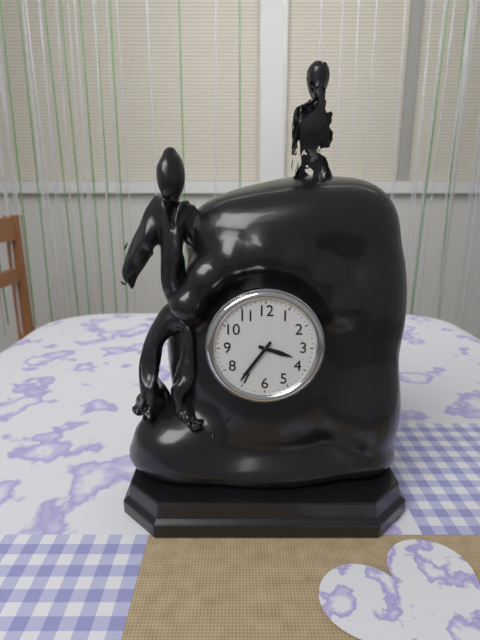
3:36
